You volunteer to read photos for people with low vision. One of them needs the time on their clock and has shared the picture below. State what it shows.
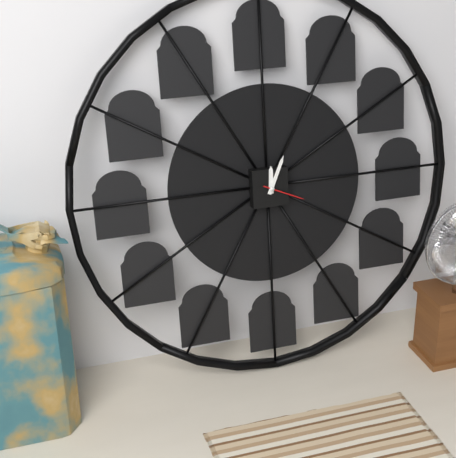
12:04
